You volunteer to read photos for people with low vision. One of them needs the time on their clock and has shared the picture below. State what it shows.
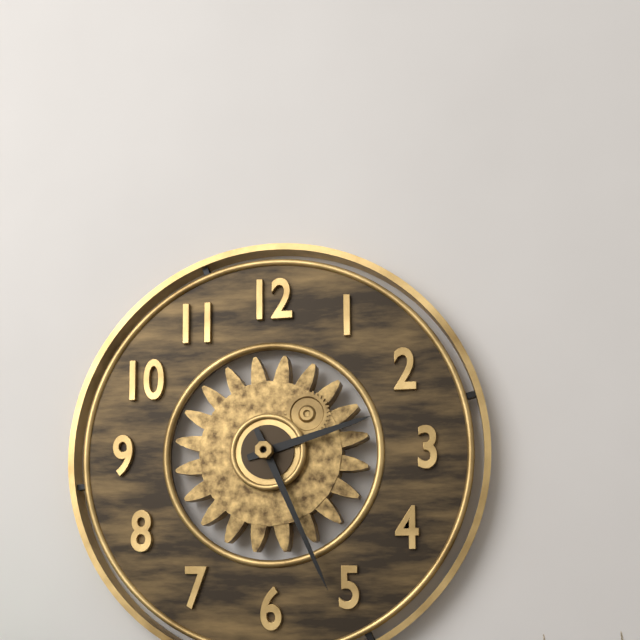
2:26
